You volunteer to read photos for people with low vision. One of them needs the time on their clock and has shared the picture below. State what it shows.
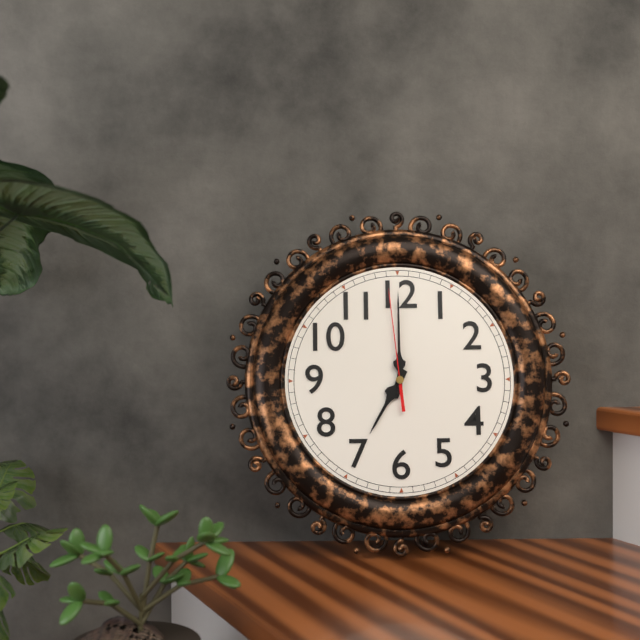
7:00:59
